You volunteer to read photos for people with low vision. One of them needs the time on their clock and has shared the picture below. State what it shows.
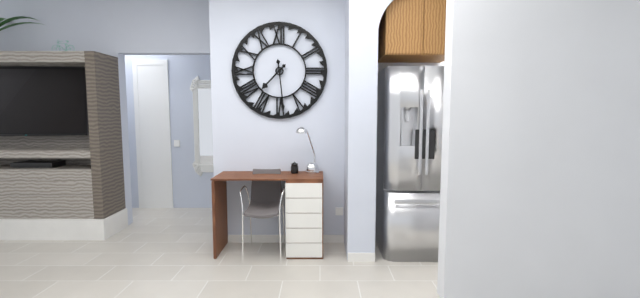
7:29
